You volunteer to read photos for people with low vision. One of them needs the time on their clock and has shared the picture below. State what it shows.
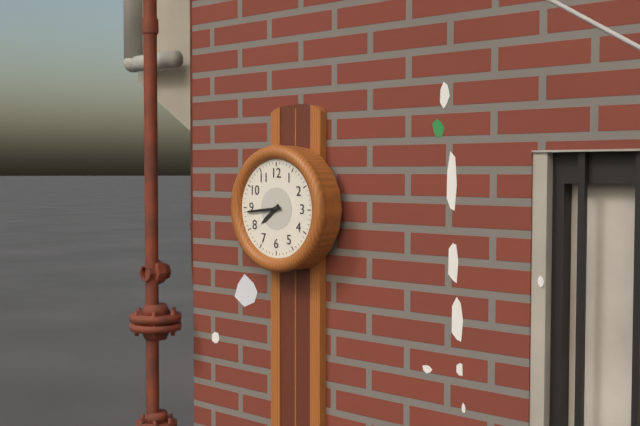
7:44
